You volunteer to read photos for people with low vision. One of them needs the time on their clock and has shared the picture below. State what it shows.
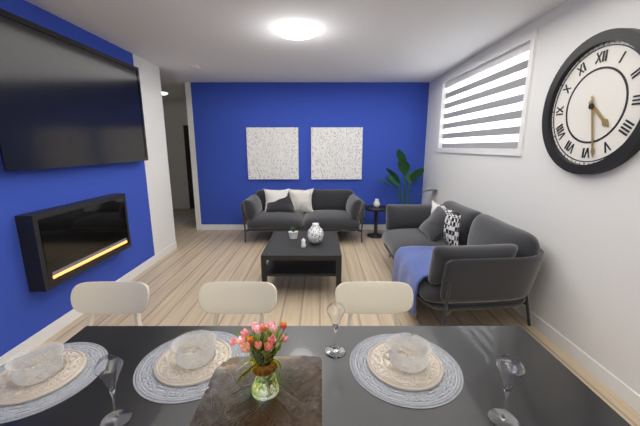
4:28
